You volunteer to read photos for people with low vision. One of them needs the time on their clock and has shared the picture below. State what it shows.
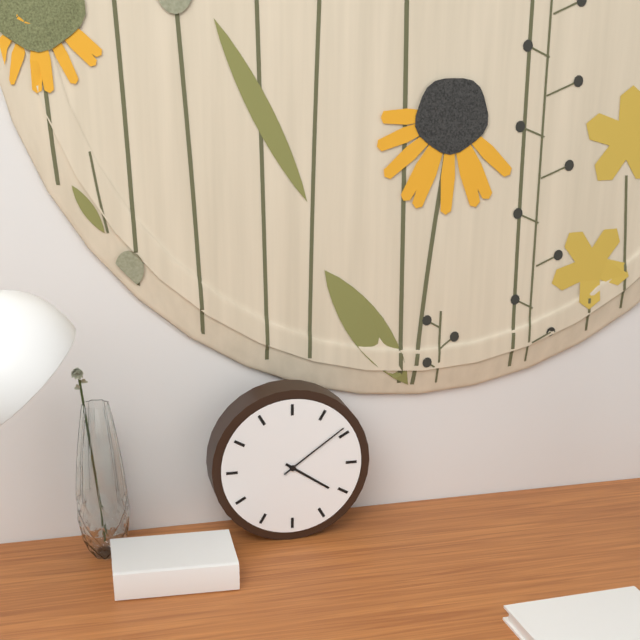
4:09
